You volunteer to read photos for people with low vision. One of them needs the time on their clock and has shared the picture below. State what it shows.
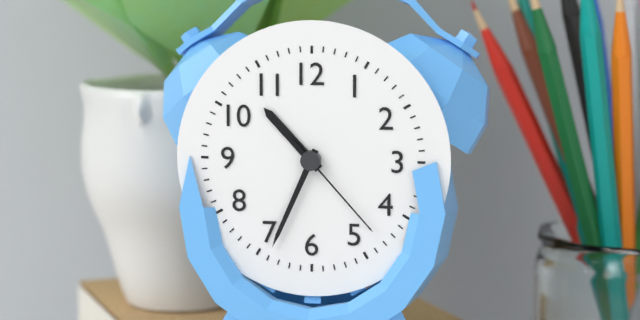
10:34:23
